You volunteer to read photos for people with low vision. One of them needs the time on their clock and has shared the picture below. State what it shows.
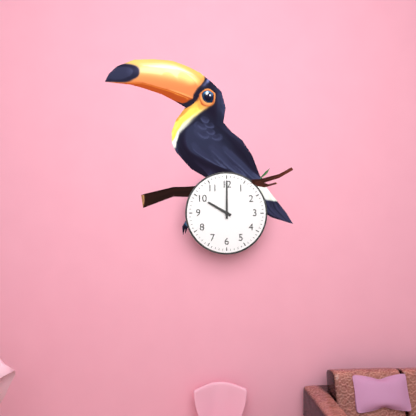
10:00
